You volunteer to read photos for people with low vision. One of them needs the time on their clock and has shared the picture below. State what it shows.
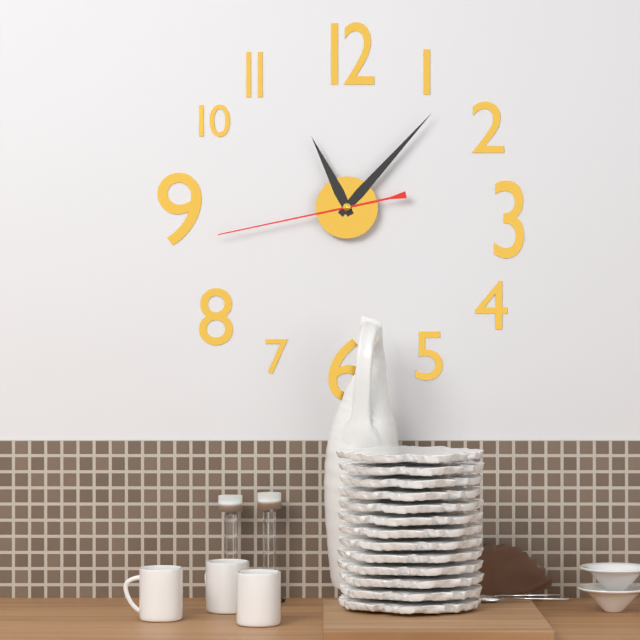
11:07:43
